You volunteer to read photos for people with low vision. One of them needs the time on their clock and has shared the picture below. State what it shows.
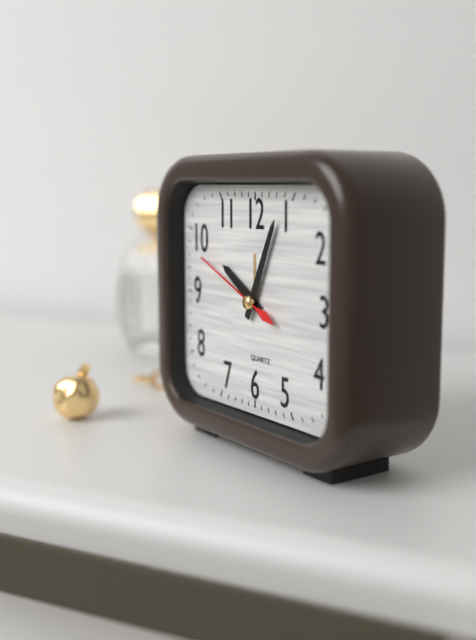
10:04:49
